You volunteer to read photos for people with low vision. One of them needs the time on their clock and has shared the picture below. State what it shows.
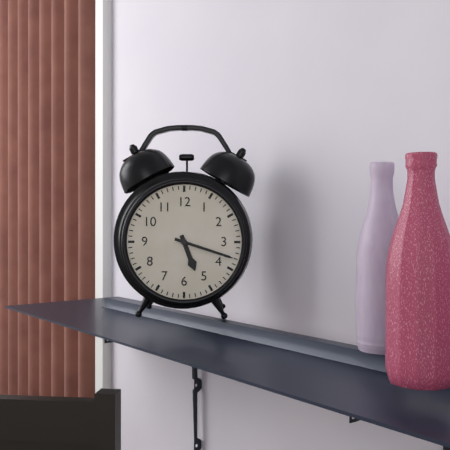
5:18
